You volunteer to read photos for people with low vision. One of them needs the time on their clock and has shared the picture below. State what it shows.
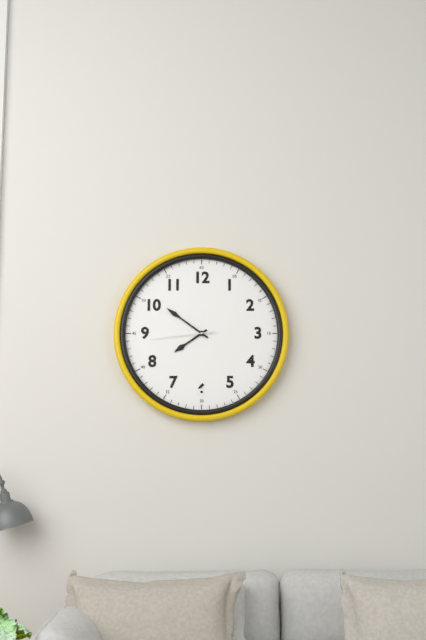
7:51:44
